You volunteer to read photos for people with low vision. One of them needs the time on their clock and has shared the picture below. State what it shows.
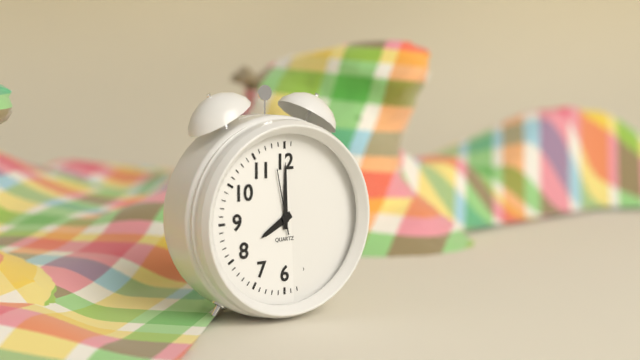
8:00:58
